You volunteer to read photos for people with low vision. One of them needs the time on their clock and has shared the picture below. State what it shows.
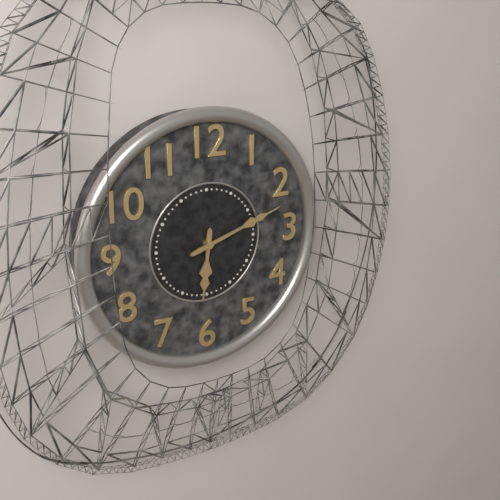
6:12
